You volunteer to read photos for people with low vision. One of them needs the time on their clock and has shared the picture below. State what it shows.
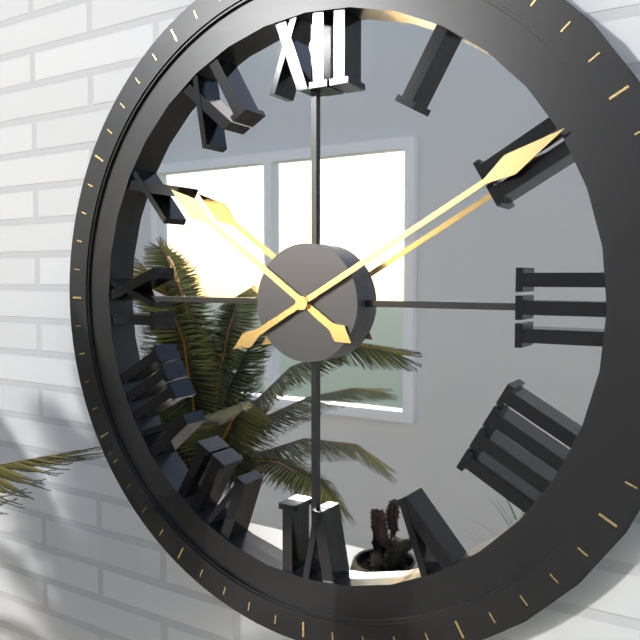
10:10
